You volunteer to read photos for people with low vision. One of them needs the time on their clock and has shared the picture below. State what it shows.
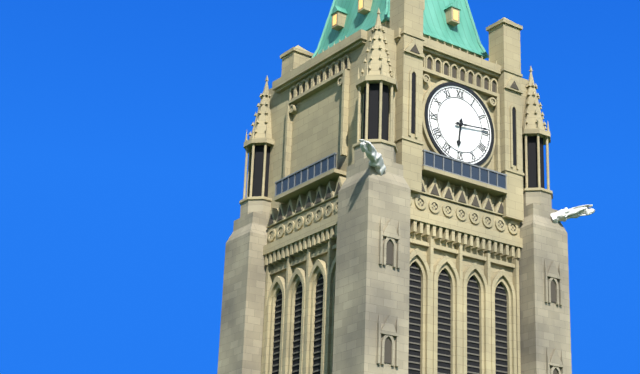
6:14
